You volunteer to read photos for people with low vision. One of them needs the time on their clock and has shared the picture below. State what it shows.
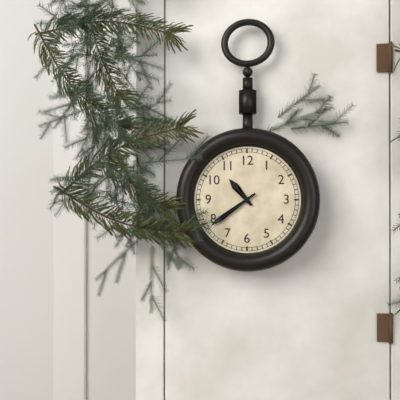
10:39
